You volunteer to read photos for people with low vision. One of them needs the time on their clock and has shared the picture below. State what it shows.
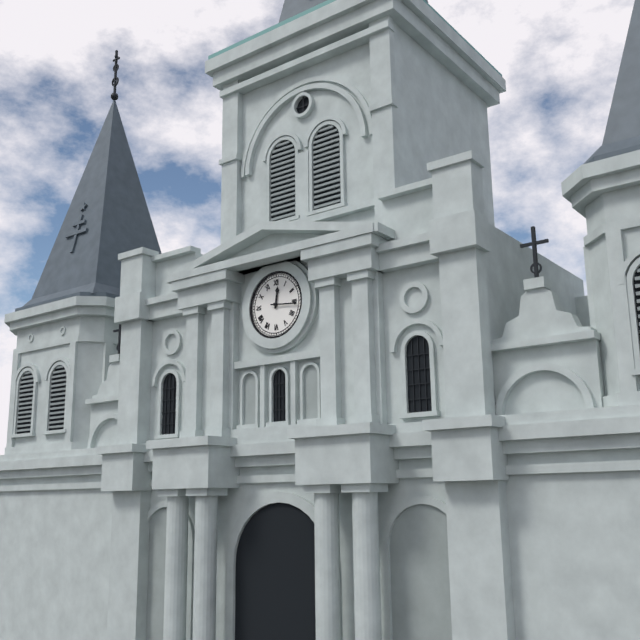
12:16
